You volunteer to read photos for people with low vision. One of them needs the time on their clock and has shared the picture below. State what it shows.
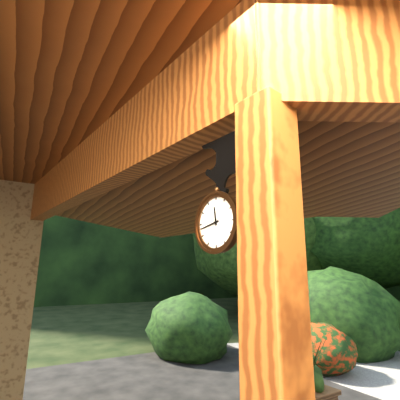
11:43
